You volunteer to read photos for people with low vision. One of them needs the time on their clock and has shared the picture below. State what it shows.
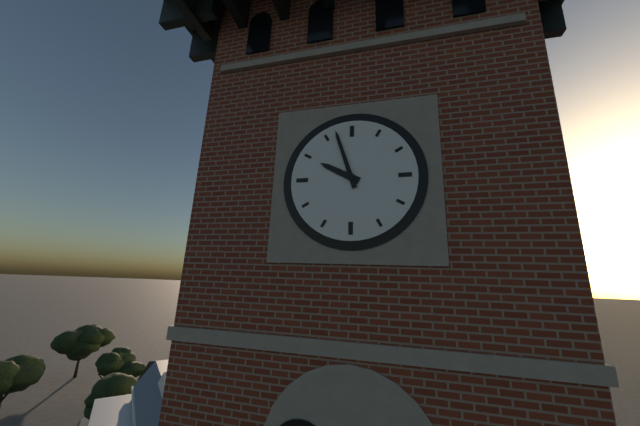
9:57
